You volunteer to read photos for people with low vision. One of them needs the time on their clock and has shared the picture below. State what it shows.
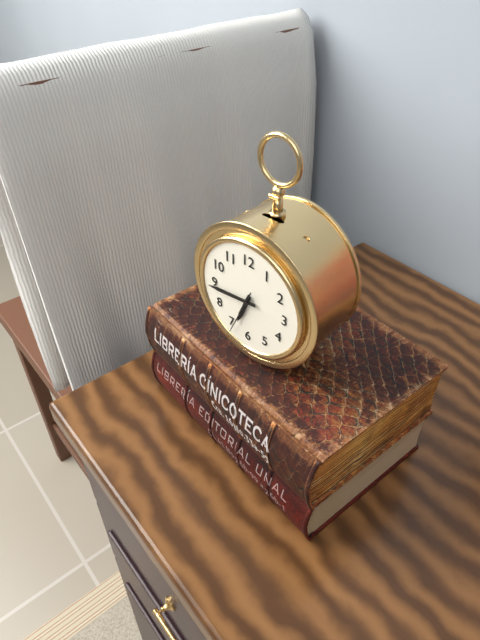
6:44
